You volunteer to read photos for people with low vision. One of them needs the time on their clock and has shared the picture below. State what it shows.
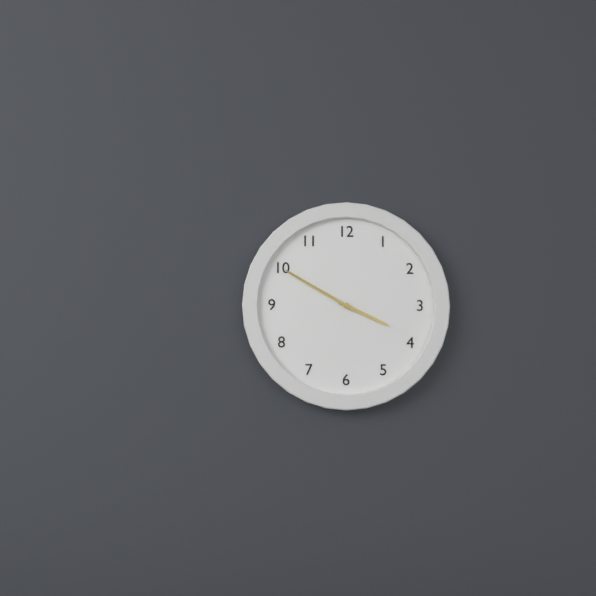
3:50
